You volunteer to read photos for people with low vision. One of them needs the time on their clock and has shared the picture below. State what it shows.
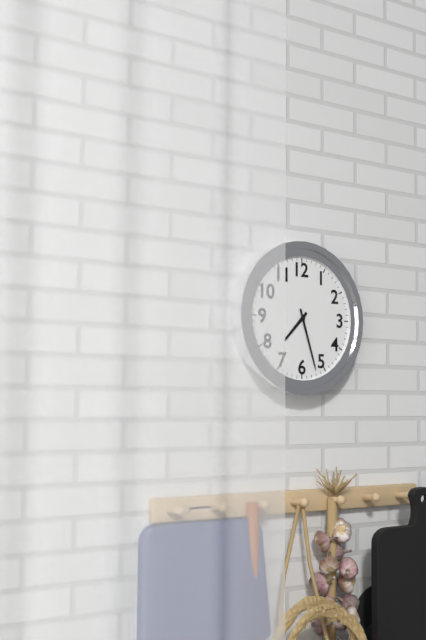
7:27
